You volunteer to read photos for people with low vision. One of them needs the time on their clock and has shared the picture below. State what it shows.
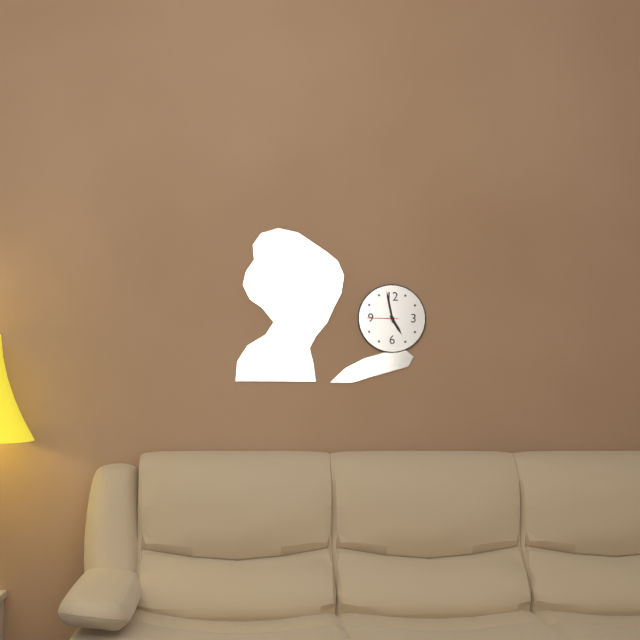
4:58
